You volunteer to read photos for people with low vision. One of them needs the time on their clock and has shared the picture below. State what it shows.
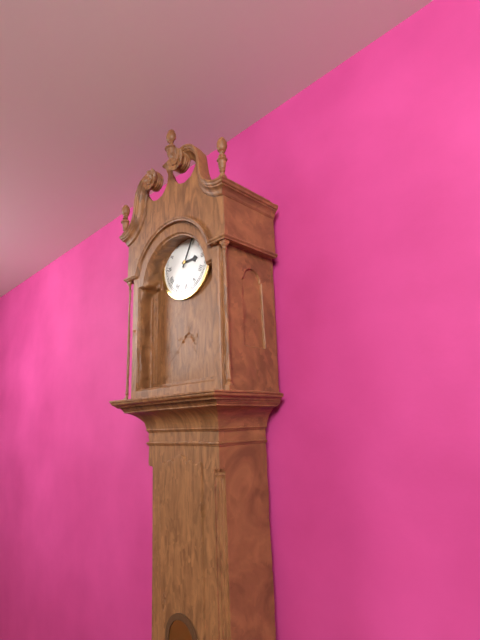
3:05
